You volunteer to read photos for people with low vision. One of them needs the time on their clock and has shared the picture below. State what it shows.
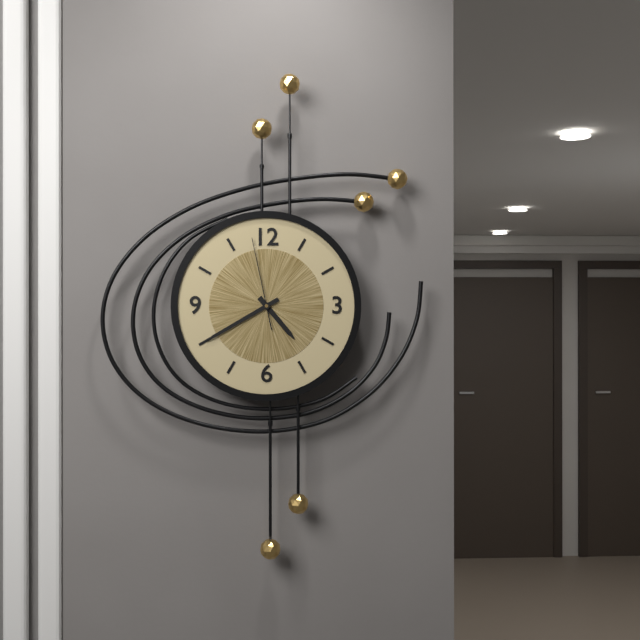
4:40:58
